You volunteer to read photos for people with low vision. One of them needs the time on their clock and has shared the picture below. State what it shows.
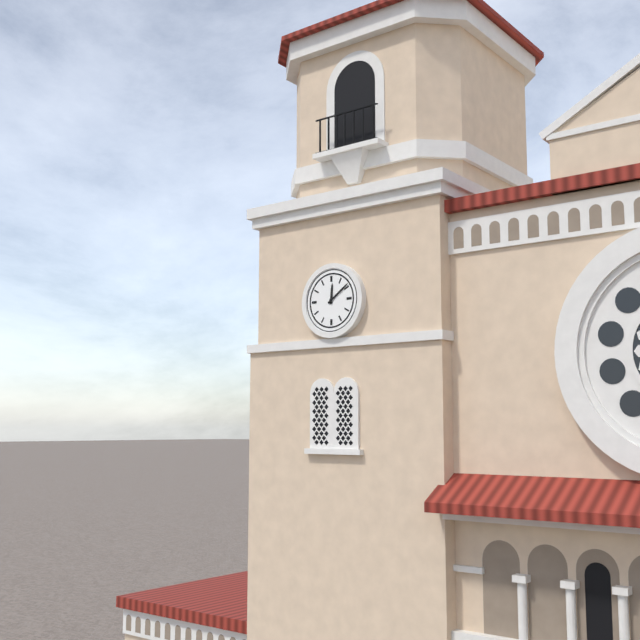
12:09
